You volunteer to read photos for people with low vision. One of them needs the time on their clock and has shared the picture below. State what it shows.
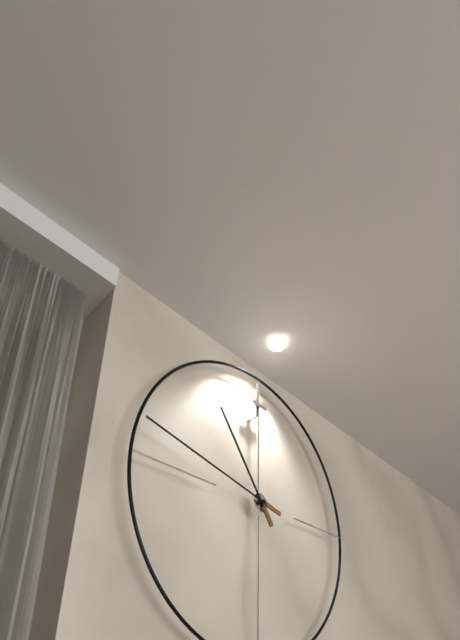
10:47
